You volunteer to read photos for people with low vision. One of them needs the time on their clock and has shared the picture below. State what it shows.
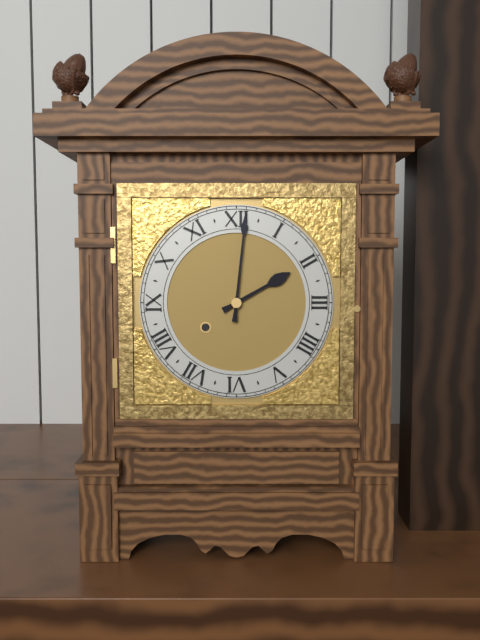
2:01
